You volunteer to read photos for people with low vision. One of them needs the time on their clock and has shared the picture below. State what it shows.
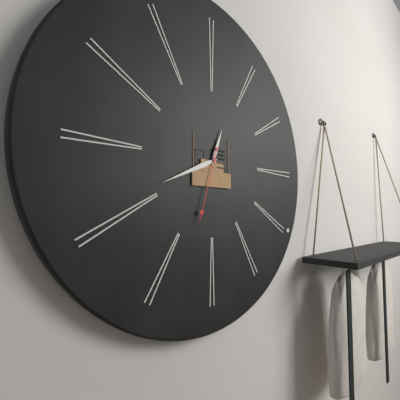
12:41:33
